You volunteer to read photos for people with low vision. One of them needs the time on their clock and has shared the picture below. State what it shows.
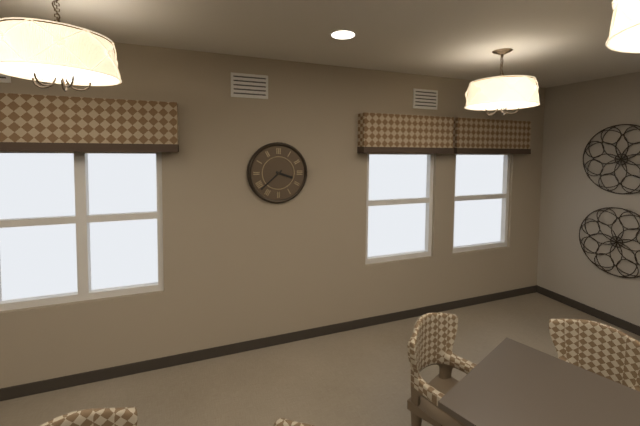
3:38
